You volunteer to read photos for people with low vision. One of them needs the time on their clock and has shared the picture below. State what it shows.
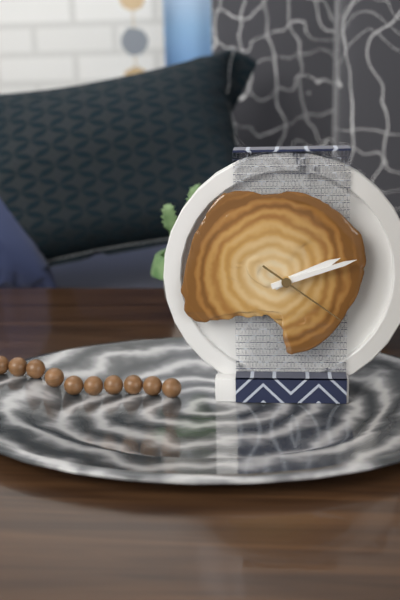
2:12:21
